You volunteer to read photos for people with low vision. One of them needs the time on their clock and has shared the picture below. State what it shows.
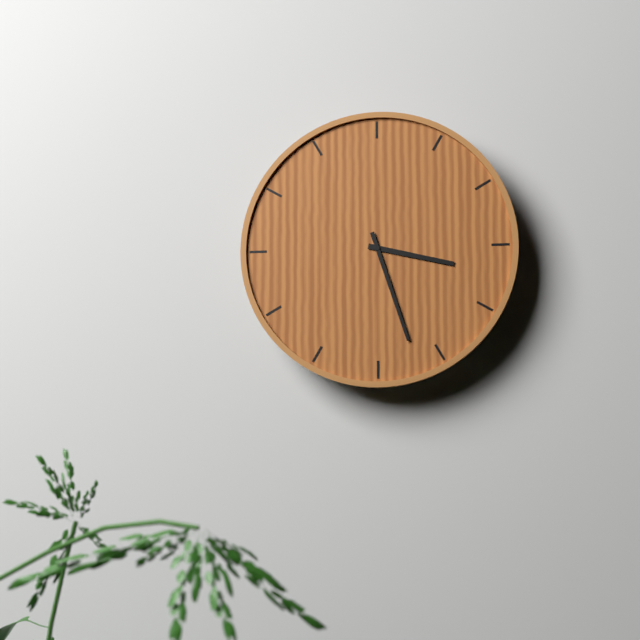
3:27
